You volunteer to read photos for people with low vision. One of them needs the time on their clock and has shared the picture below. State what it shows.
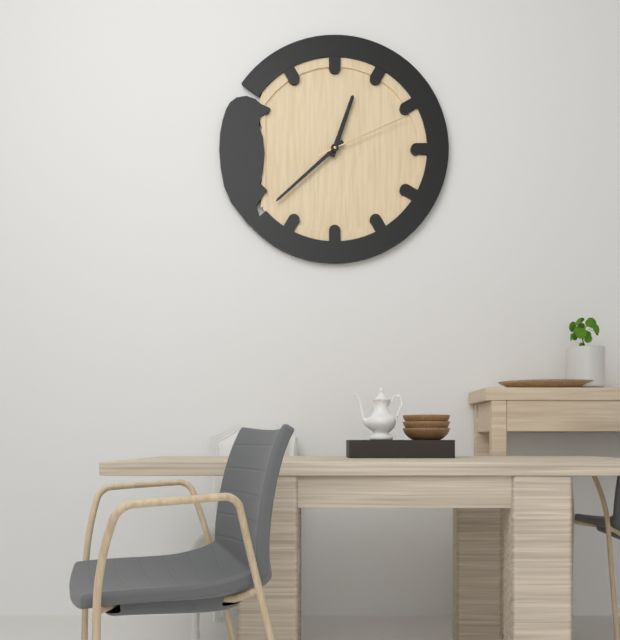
12:38:11
